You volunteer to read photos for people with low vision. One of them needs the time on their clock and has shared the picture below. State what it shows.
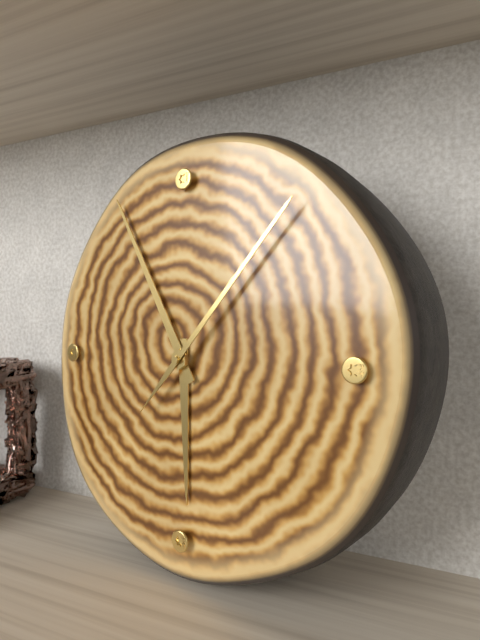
5:55:07
